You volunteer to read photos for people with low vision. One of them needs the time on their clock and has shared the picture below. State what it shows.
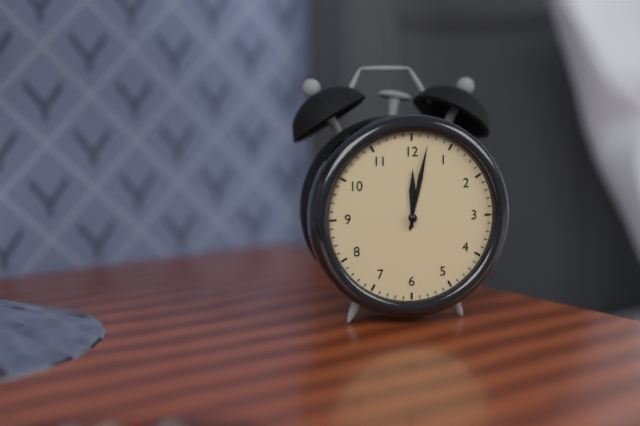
12:02
